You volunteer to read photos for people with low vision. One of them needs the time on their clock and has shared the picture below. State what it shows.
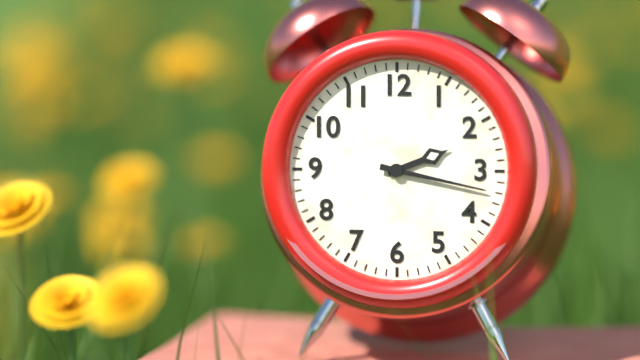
2:17
